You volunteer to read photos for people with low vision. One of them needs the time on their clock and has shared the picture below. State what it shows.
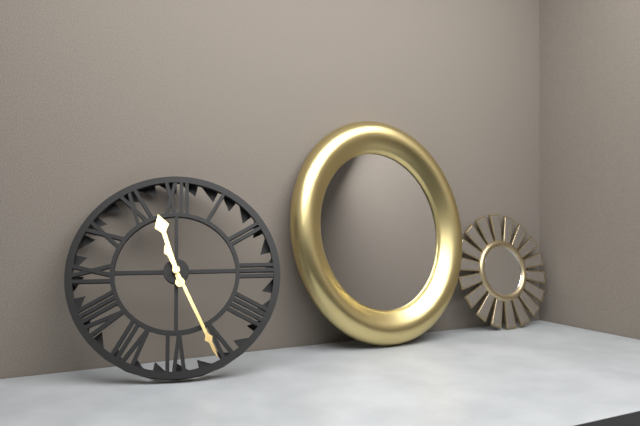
11:26
